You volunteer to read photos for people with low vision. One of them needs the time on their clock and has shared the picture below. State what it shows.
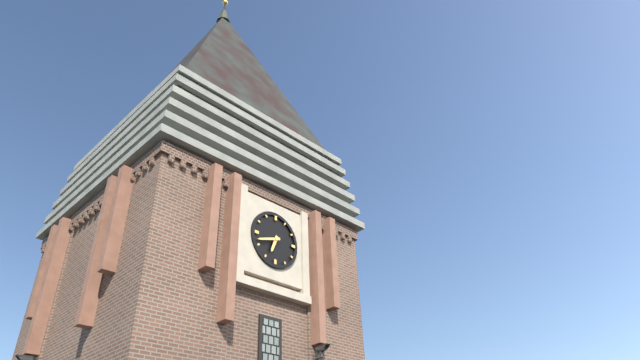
6:42
